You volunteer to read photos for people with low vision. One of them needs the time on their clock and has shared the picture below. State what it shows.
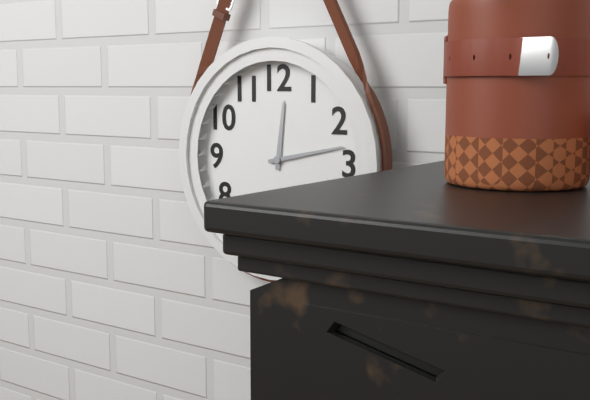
12:13
